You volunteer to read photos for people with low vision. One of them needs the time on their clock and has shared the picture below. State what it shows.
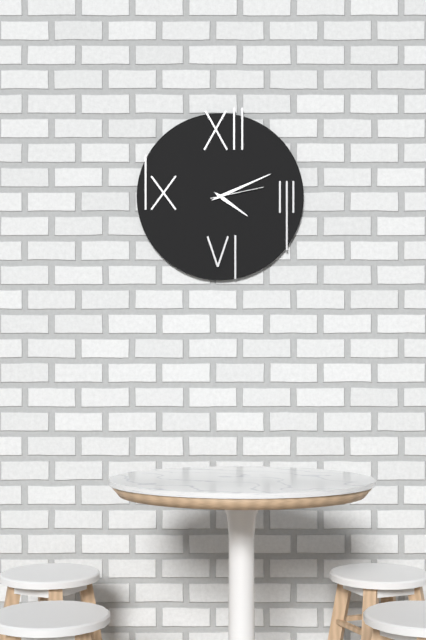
4:11:13
